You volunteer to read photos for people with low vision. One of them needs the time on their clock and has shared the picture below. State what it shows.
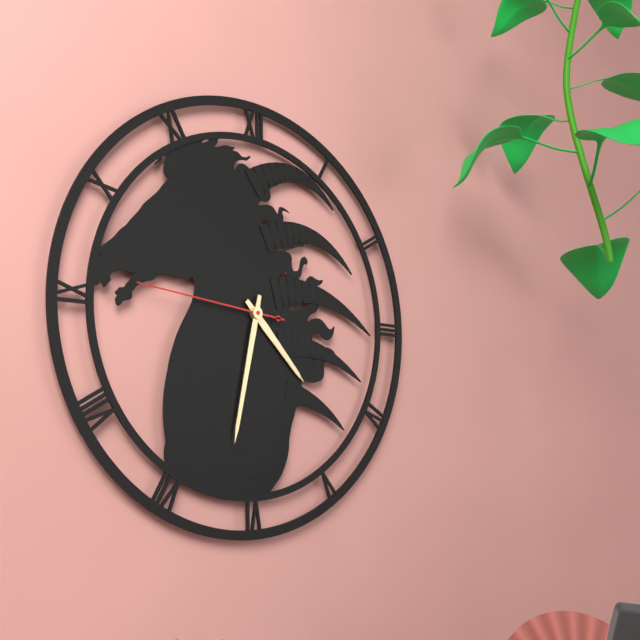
4:32:46
